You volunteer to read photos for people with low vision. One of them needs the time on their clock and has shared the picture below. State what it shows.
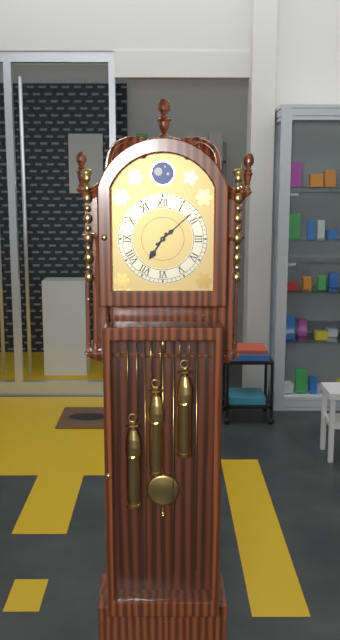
7:08
